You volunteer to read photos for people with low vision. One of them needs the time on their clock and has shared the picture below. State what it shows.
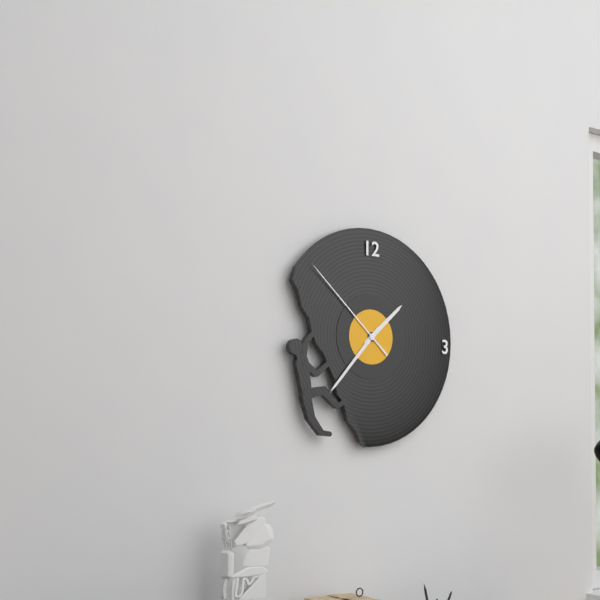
1:37:52
